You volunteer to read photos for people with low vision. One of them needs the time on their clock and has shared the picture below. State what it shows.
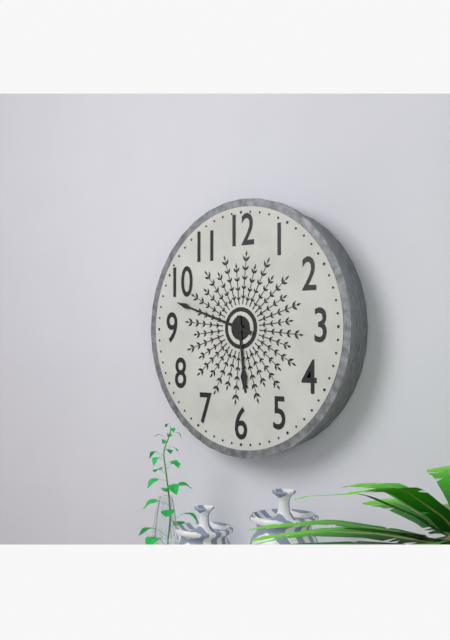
5:48
